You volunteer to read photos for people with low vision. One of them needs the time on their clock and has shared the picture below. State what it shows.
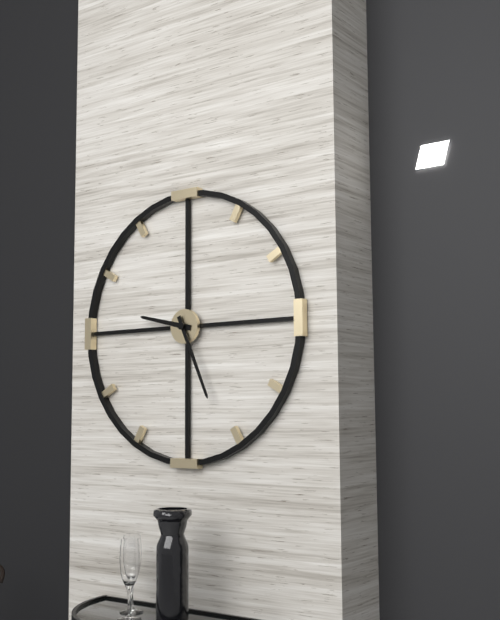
9:26
